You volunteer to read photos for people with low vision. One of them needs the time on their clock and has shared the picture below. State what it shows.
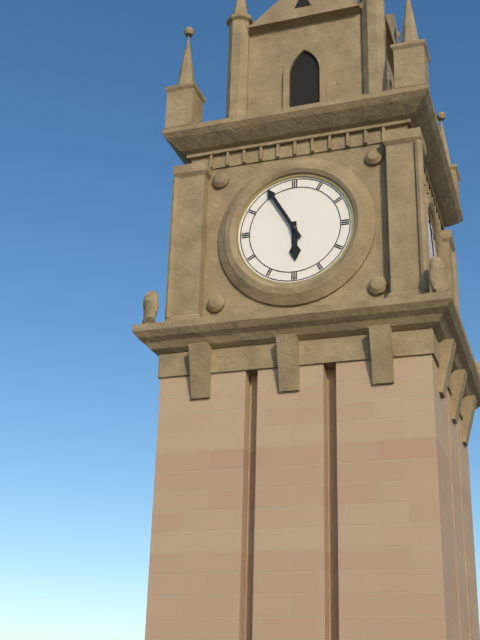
5:55
